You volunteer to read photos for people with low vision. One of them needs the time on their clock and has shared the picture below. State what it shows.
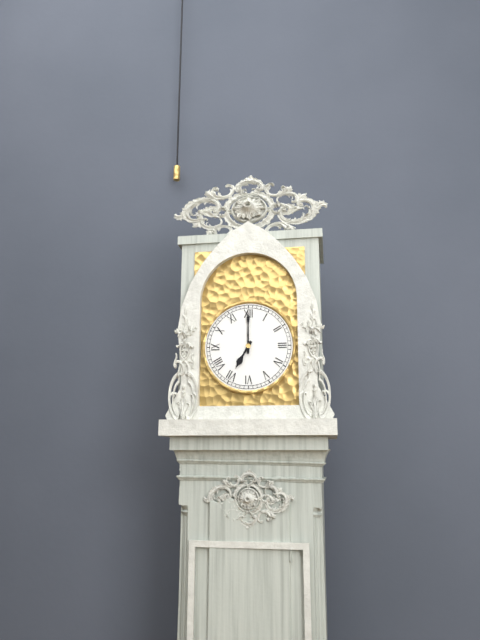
7:00
